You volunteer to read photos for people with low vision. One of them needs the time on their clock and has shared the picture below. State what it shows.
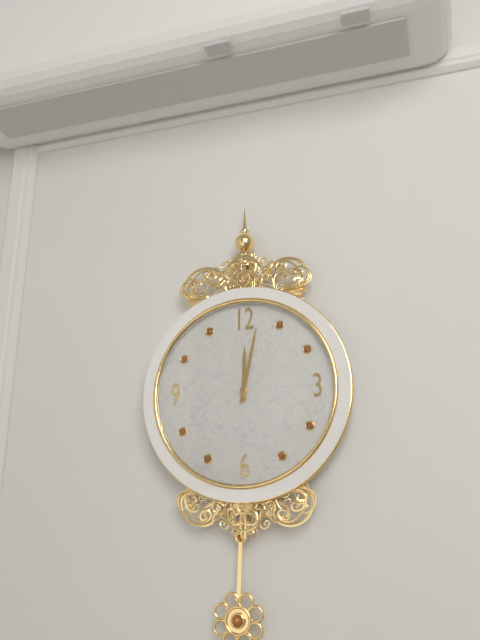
12:02
